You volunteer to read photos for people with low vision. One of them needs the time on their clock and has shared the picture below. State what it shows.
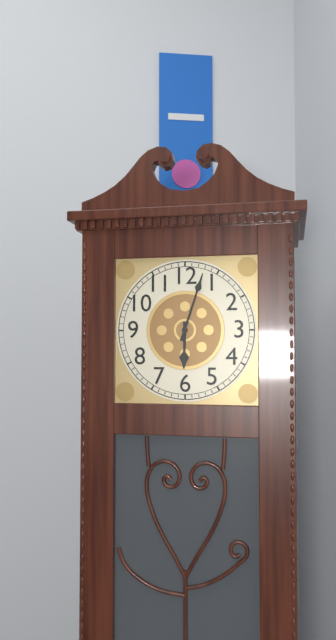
6:03
